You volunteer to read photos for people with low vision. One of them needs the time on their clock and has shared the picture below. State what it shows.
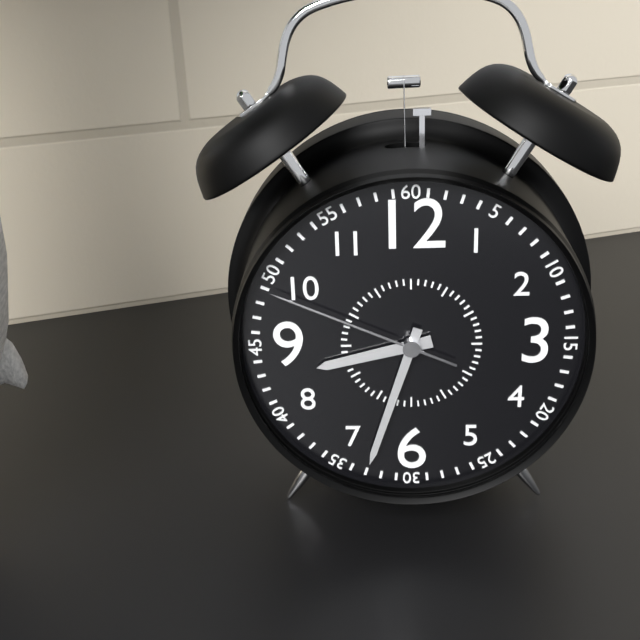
8:33:49
